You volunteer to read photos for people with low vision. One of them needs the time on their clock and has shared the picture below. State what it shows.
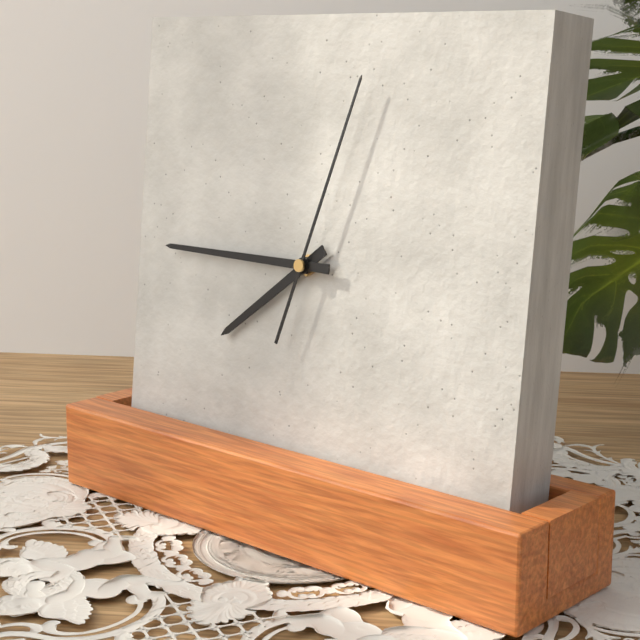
7:45:03
